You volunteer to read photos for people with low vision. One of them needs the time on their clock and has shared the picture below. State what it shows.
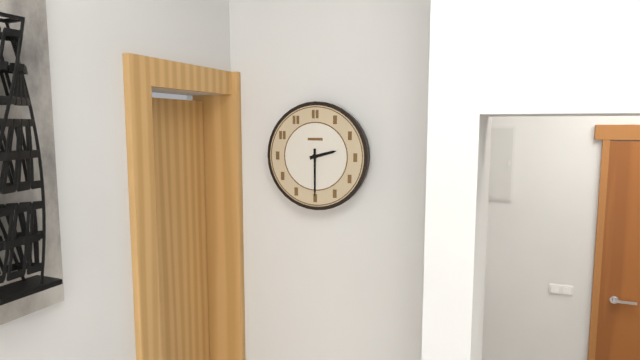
2:30
